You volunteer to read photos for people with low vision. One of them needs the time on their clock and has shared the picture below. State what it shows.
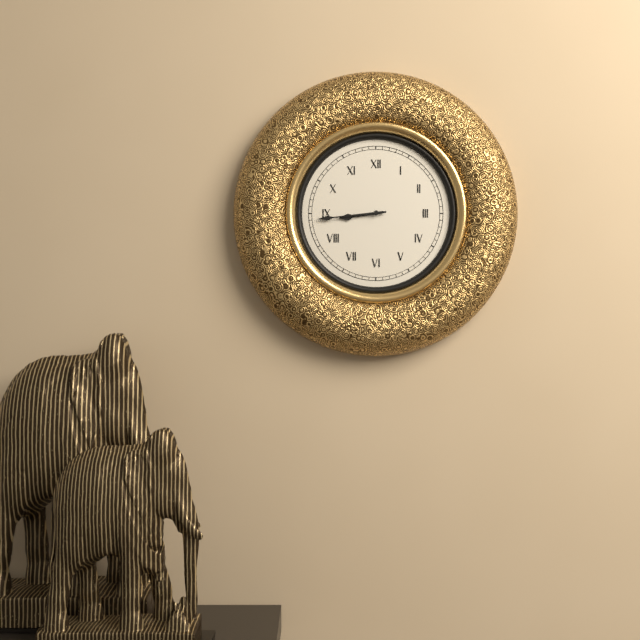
8:44
